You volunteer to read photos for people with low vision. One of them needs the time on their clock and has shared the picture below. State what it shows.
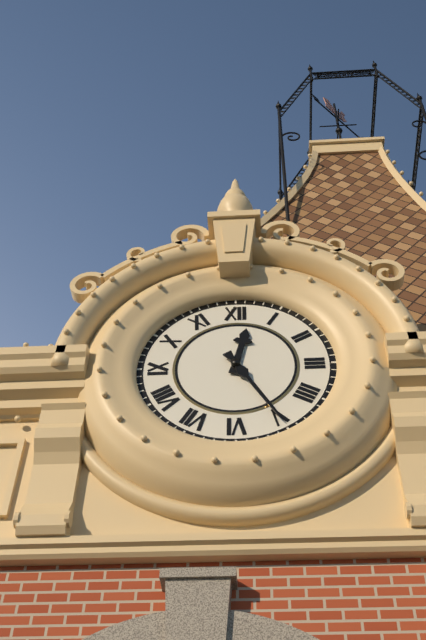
12:25
